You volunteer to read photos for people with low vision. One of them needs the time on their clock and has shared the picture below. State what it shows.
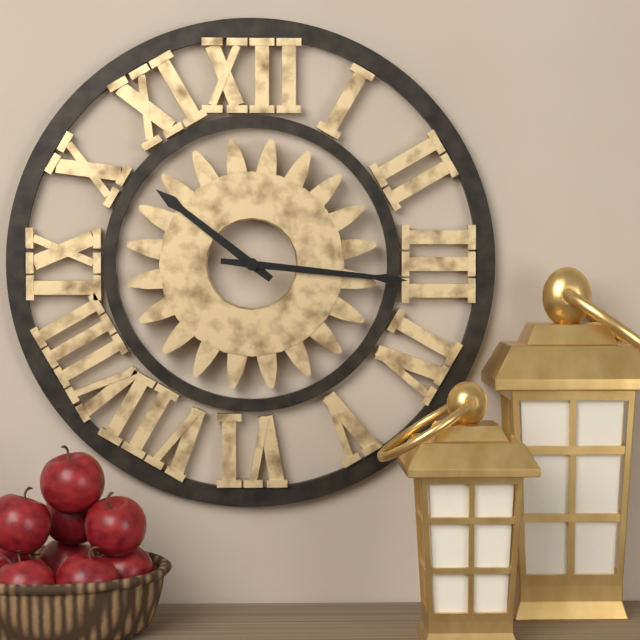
10:16
